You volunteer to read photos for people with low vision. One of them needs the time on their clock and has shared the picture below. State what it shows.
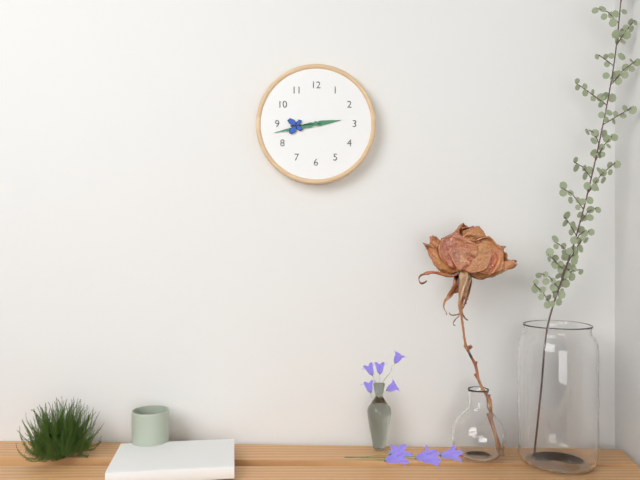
2:43
